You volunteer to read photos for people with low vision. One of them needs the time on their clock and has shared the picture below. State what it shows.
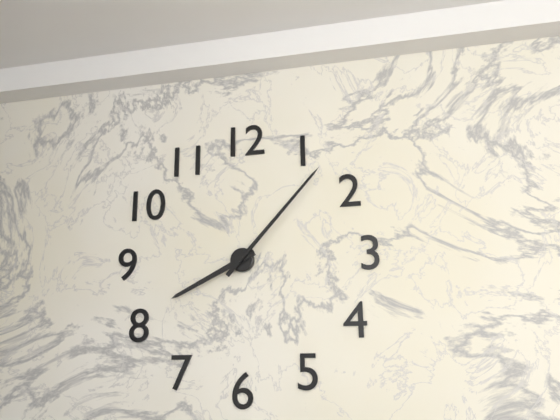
8:07
